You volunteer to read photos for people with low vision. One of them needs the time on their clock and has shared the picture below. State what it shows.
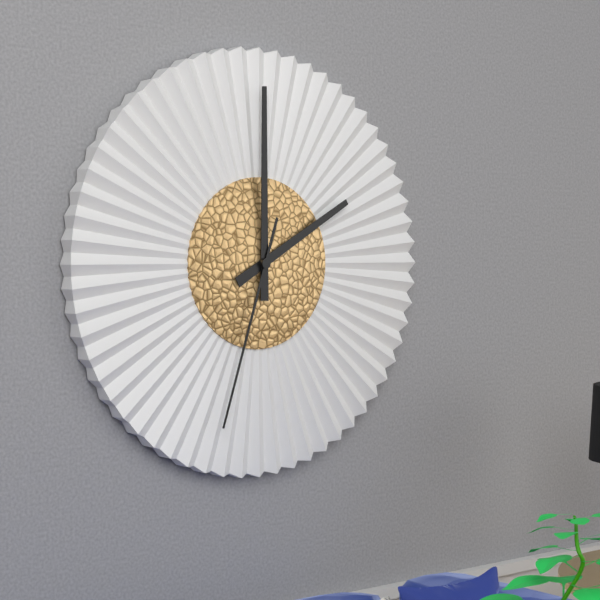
2:00:33
